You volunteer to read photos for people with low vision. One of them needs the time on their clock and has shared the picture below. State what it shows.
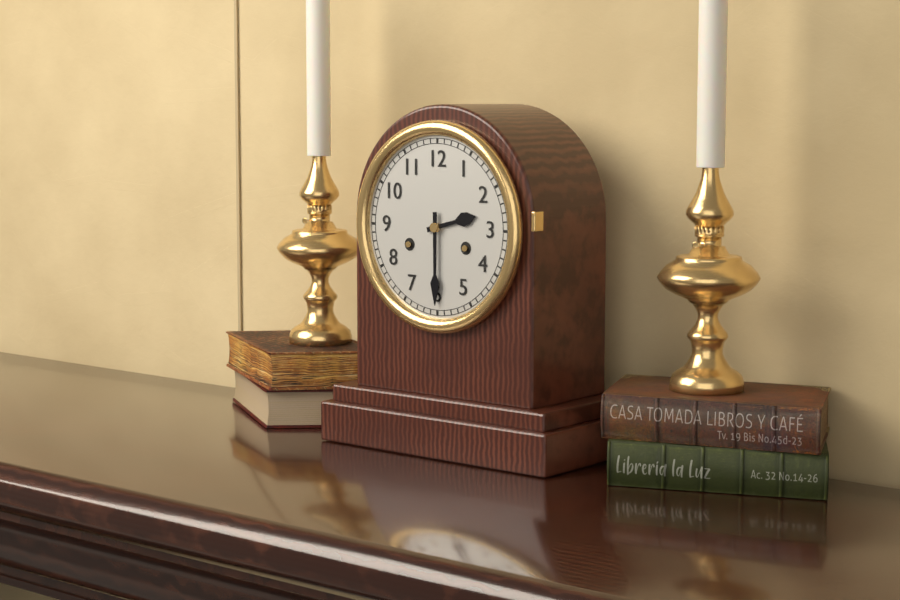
2:30
